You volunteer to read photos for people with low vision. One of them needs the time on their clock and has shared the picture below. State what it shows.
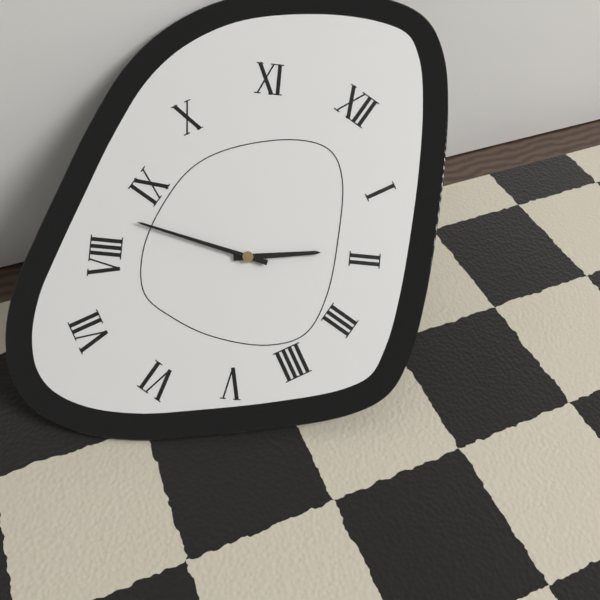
1:42
